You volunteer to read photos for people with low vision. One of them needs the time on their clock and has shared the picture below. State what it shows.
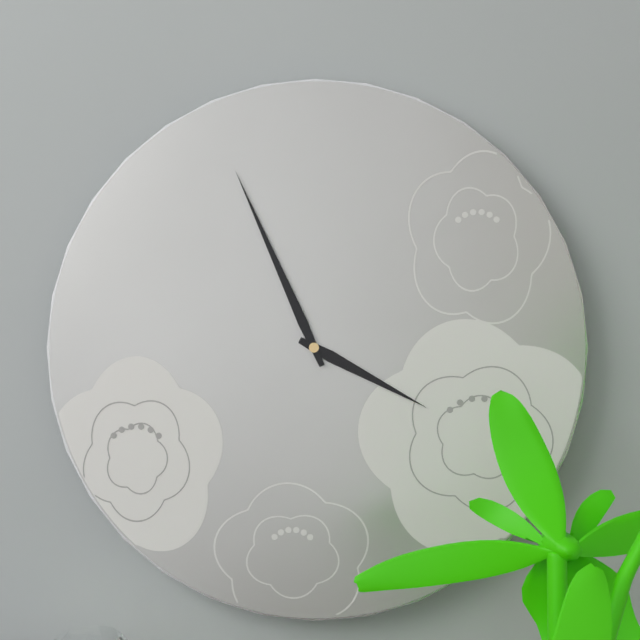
3:56
